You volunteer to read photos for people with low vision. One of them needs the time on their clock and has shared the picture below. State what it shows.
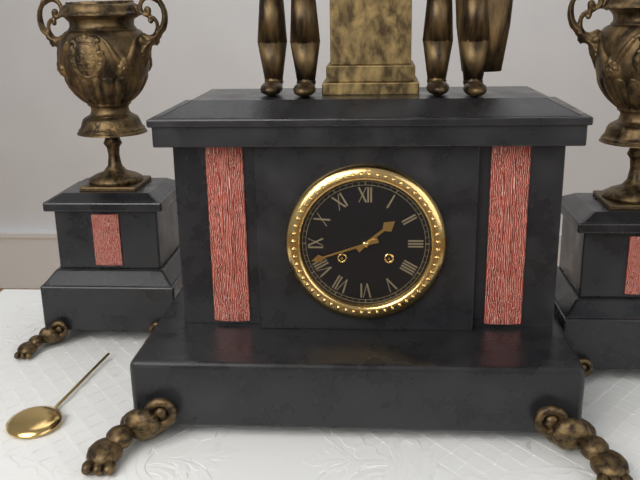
1:42
